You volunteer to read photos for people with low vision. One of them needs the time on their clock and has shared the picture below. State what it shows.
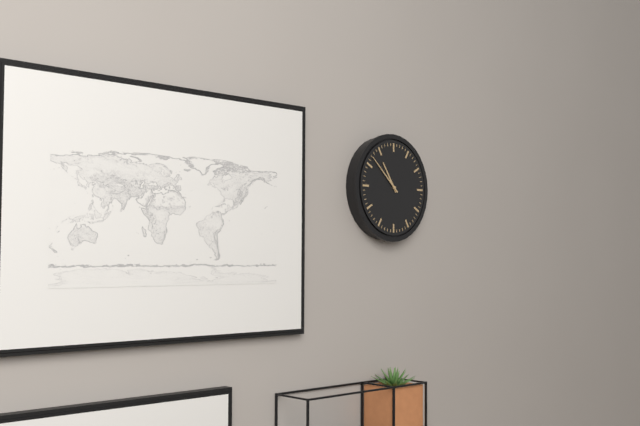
10:52
